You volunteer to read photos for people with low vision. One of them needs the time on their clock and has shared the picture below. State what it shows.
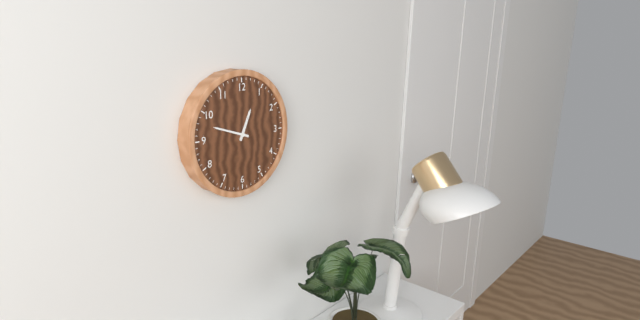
12:48
